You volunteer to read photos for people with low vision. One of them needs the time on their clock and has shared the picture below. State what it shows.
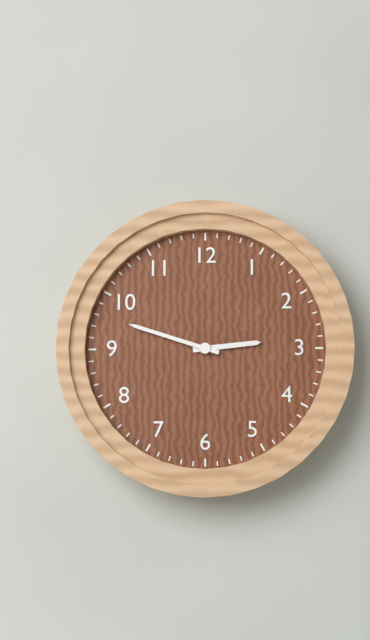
2:48
